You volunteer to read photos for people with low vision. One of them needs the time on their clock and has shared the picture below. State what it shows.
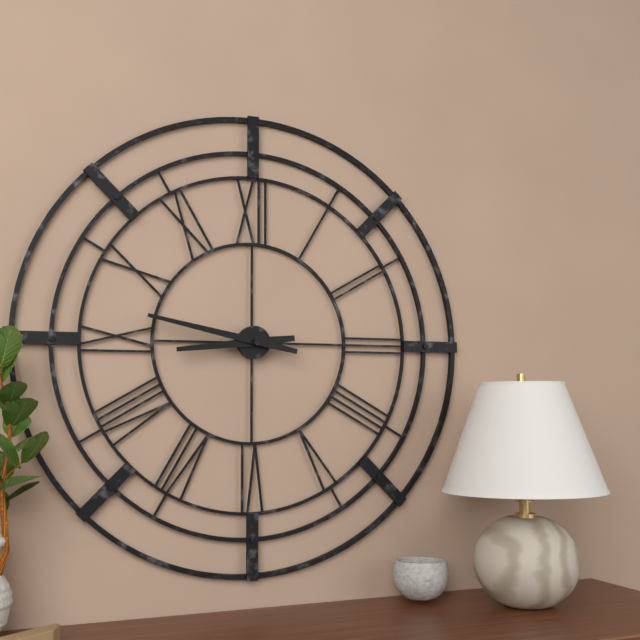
8:47
